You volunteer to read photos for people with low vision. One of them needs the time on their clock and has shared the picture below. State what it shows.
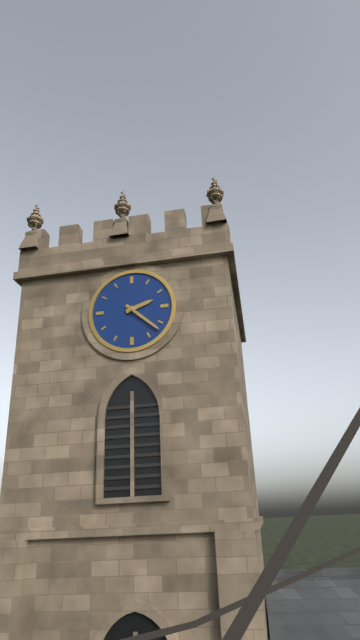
2:22
